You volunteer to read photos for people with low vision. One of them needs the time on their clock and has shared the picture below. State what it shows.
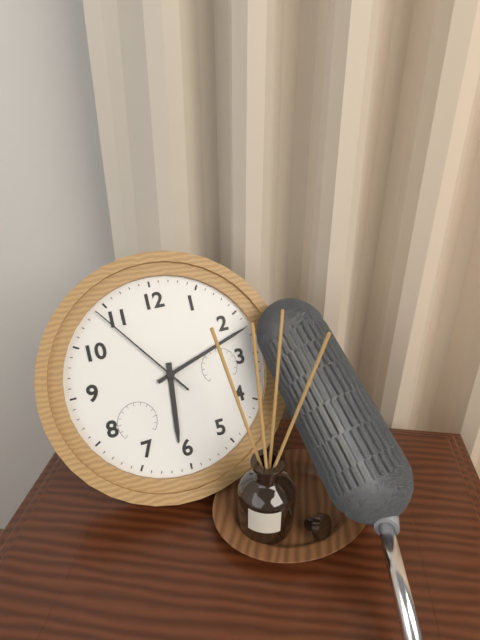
6:12:54
